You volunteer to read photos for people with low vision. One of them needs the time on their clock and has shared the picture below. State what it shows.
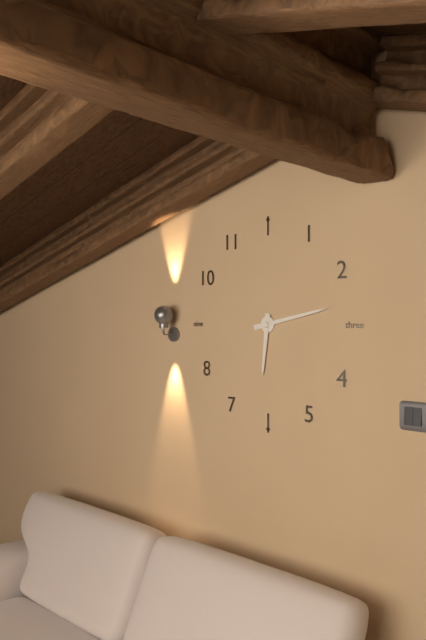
6:13
